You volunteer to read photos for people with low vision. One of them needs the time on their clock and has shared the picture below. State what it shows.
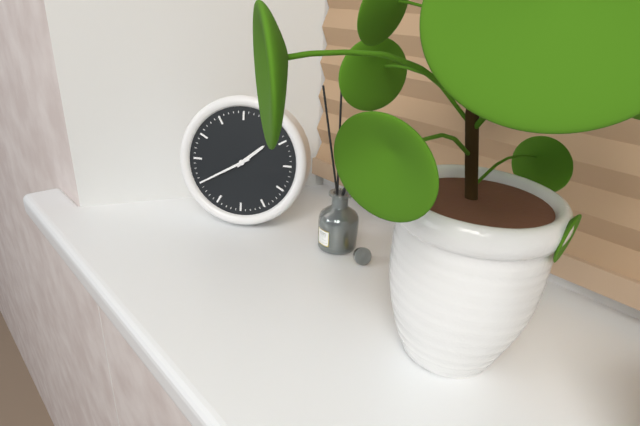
1:40
